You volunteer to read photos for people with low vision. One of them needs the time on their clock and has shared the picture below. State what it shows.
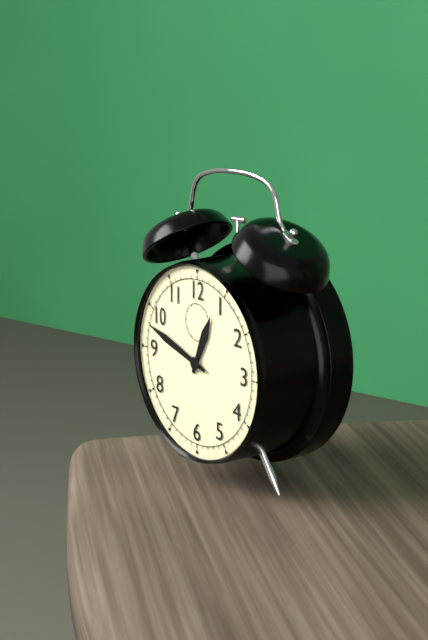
12:48
